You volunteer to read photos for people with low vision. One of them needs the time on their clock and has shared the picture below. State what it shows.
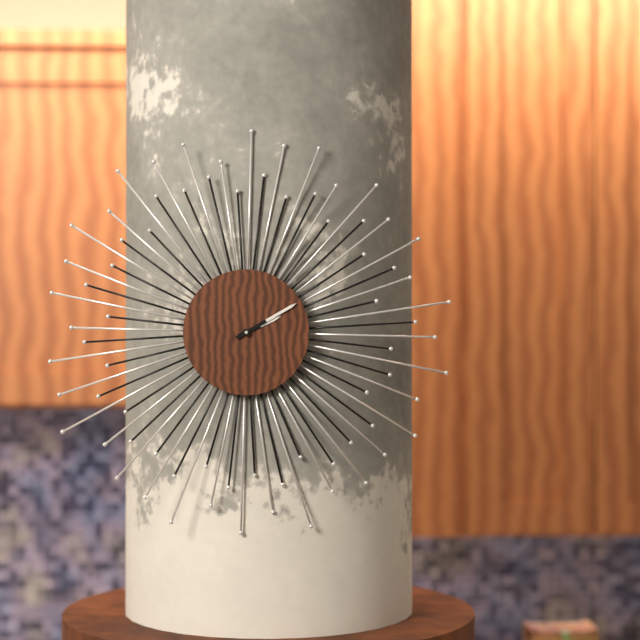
2:10
